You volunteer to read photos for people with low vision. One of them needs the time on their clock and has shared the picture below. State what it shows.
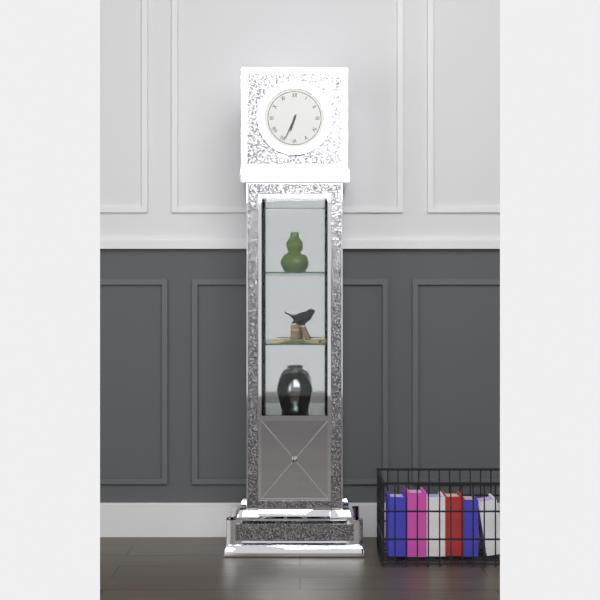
6:34
